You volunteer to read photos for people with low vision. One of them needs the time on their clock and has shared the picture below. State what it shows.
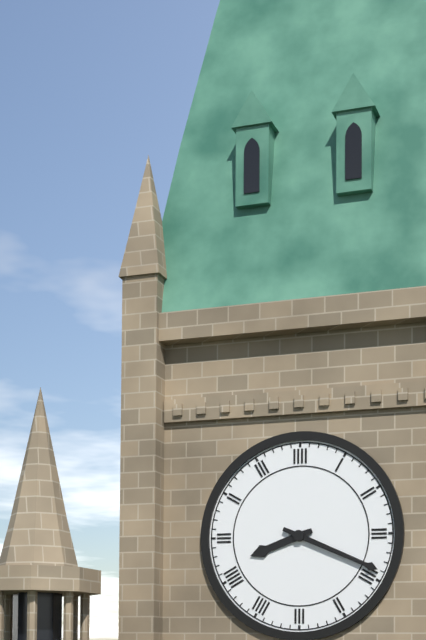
8:19
